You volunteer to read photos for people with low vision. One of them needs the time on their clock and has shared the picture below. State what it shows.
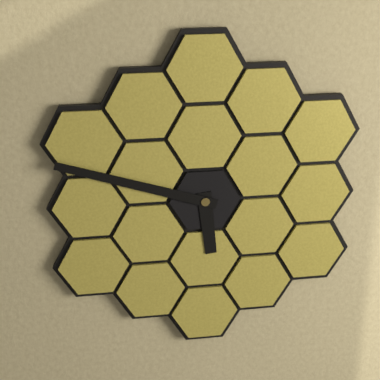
5:48
